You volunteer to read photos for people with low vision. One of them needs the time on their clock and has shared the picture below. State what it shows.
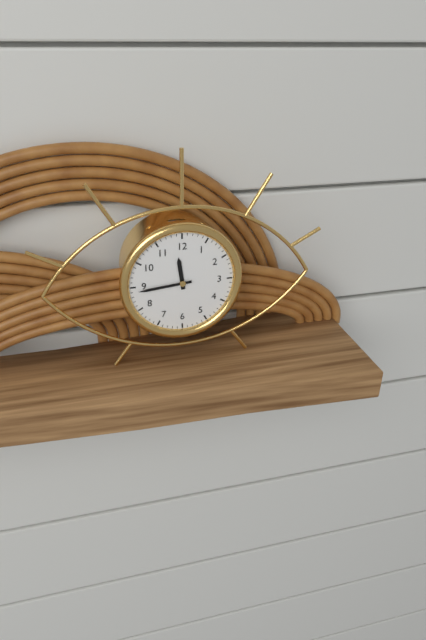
11:44
